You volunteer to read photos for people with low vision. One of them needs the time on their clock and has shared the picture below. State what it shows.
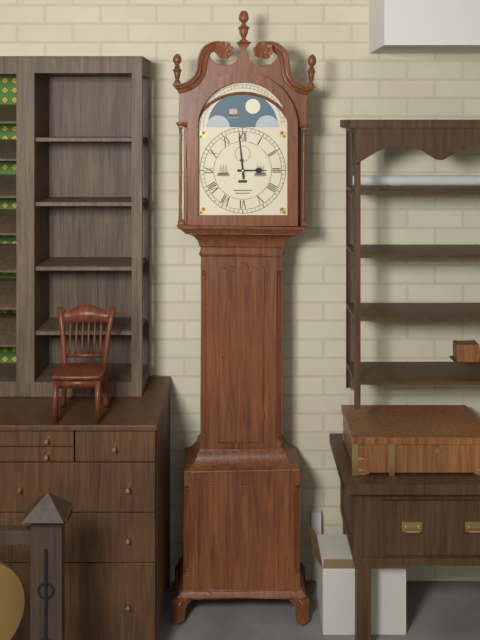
2:59
